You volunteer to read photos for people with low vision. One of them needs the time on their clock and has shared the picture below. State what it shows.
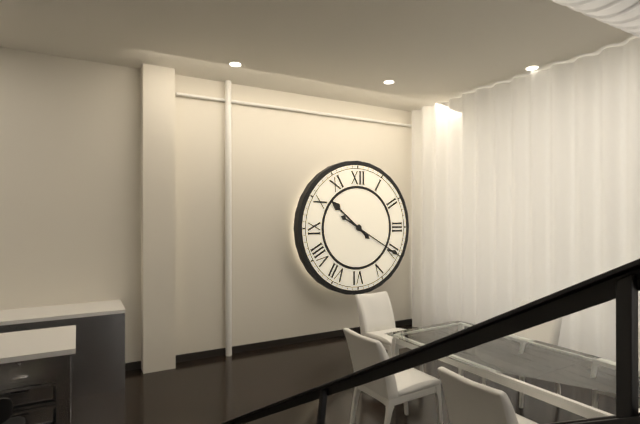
10:20
